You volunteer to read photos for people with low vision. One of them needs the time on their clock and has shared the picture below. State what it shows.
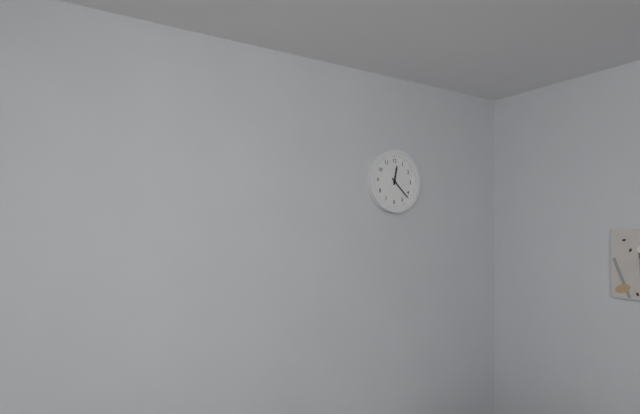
12:22
